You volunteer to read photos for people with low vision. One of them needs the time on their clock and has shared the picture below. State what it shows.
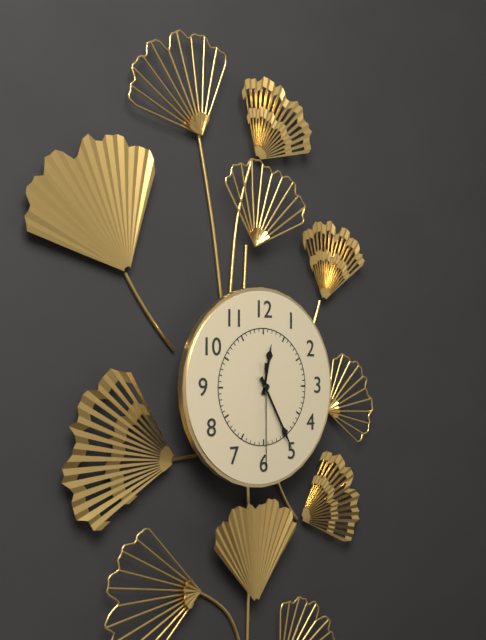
12:25:30
